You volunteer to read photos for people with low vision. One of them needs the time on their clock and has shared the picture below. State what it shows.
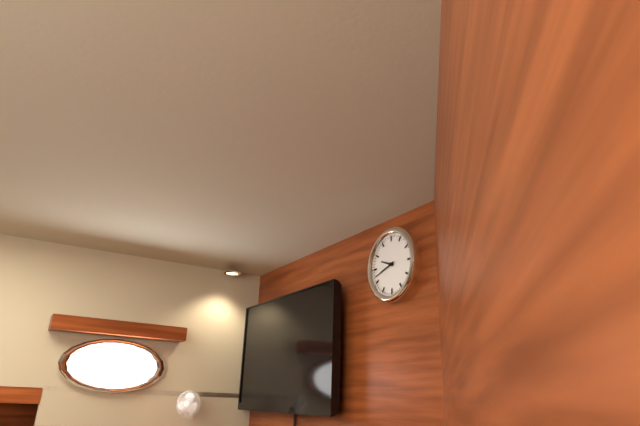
9:42
